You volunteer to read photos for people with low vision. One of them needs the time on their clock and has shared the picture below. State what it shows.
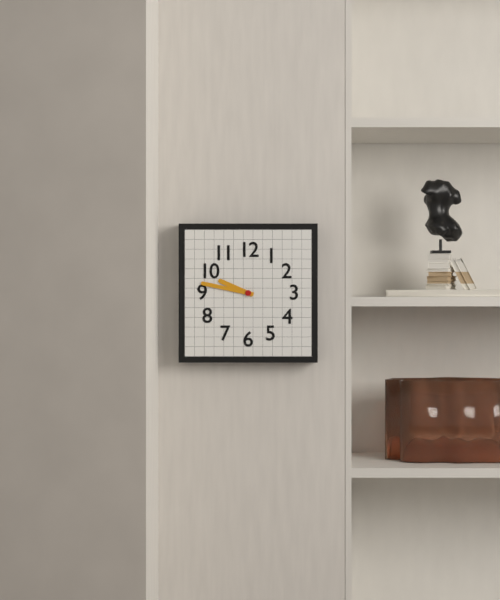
9:47
